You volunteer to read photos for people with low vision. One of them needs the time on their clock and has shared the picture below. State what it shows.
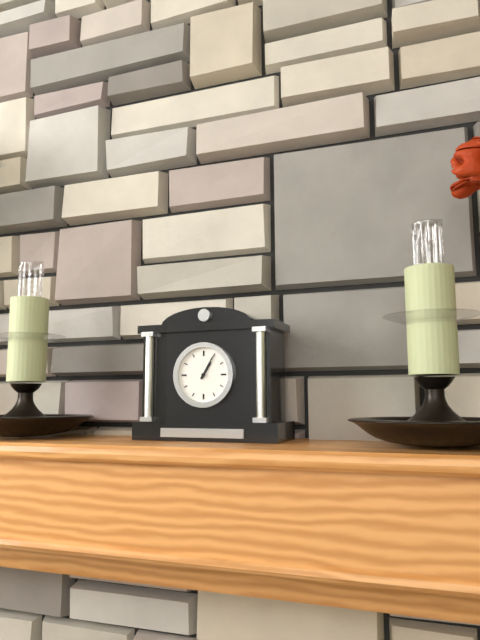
1:05
